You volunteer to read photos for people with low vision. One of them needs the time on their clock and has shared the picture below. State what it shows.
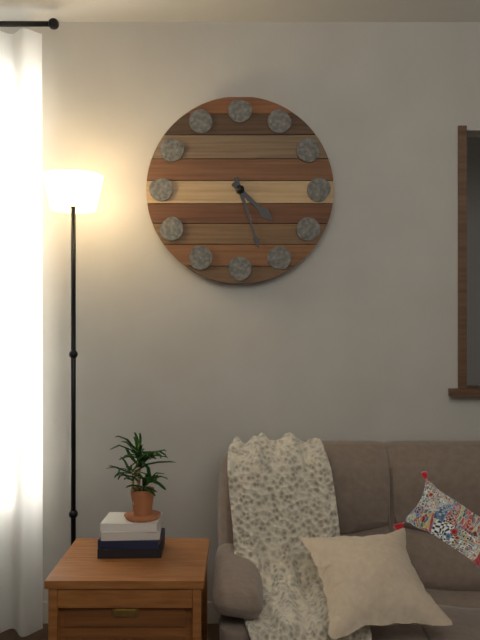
4:27
